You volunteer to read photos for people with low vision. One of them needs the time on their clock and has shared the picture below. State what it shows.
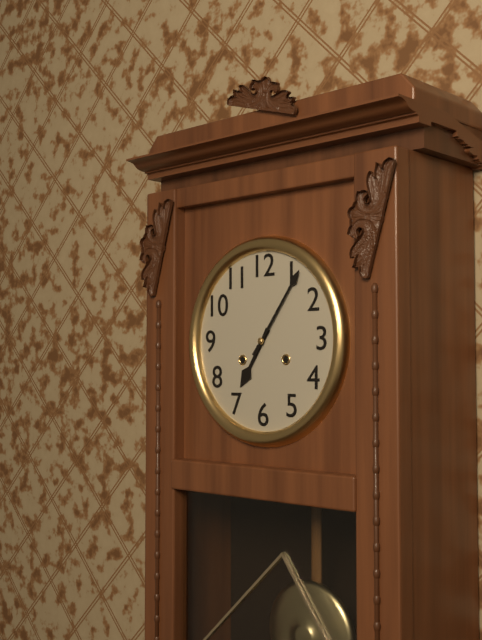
7:06
